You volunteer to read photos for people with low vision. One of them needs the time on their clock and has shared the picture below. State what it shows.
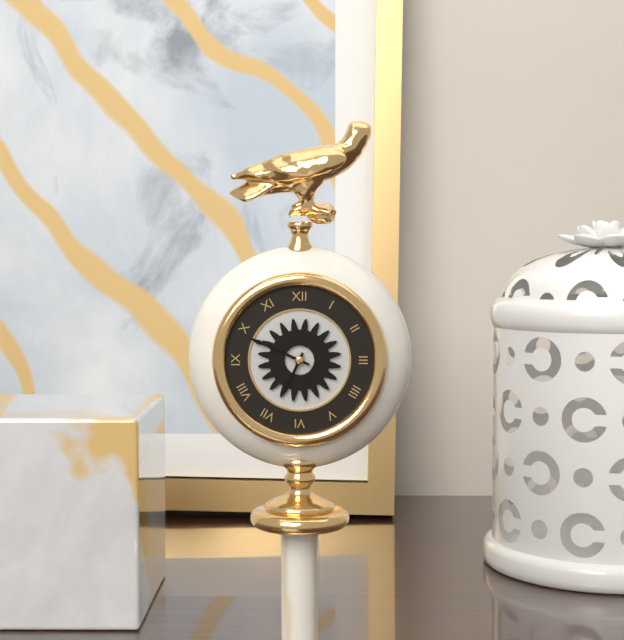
6:49
